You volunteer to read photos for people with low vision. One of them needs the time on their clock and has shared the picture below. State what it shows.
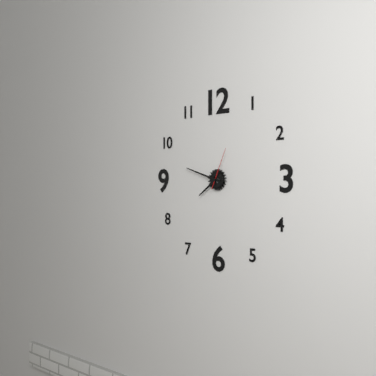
7:48
